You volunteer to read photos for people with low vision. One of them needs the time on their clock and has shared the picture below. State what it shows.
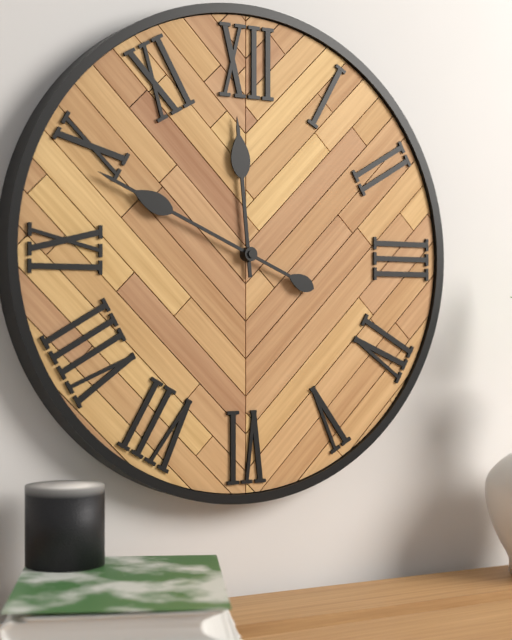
11:49
